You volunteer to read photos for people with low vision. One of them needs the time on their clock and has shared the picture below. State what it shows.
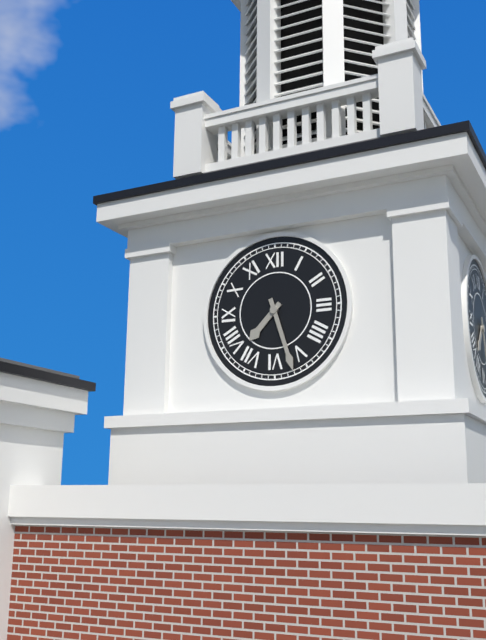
7:27
